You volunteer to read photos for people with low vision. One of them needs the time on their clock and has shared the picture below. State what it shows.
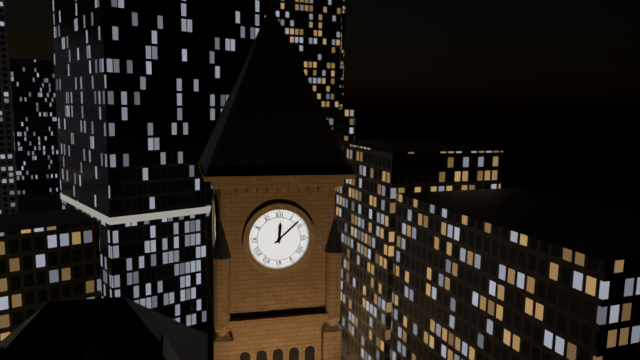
12:08
